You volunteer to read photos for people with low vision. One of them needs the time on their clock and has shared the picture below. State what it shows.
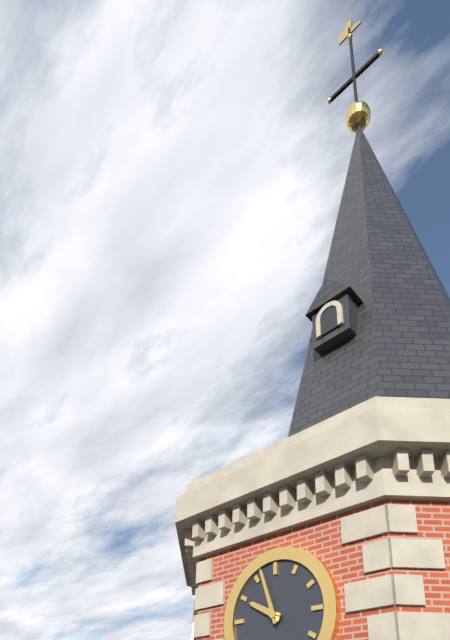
9:57
